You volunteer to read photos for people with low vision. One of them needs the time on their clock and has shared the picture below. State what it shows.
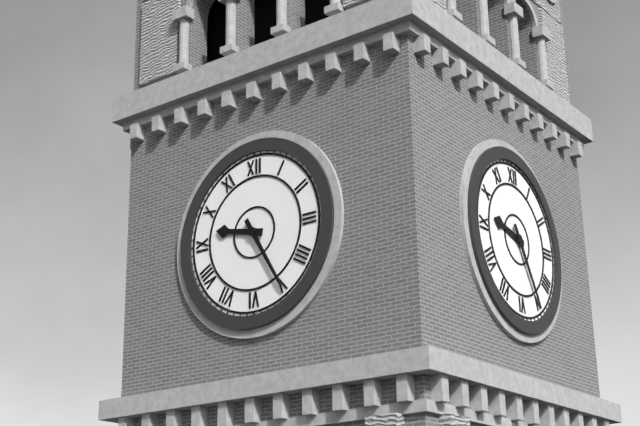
9:25
